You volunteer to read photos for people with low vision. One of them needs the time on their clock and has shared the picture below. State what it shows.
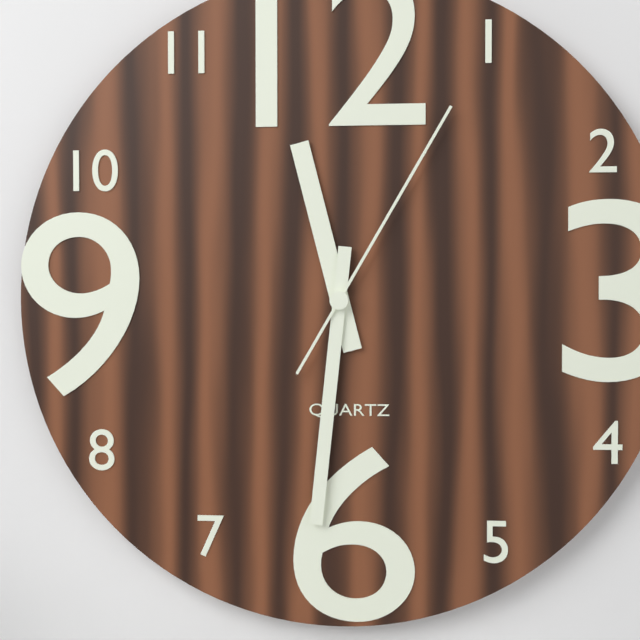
11:31:05
